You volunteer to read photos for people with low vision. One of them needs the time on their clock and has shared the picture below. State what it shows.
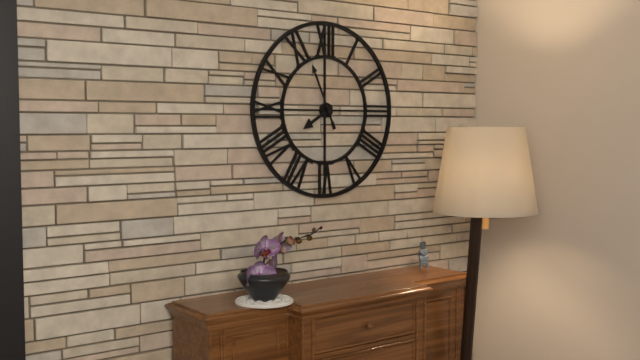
7:56
